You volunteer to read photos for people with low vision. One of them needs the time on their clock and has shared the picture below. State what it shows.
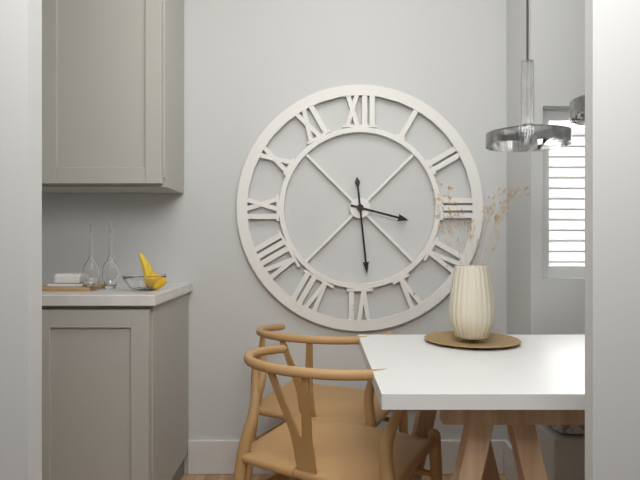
3:29
